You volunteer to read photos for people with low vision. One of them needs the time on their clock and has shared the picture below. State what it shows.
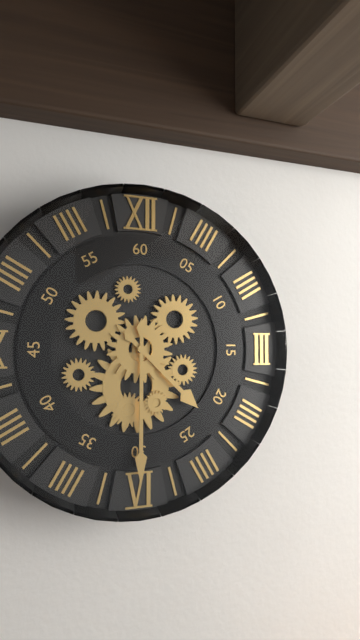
4:30
